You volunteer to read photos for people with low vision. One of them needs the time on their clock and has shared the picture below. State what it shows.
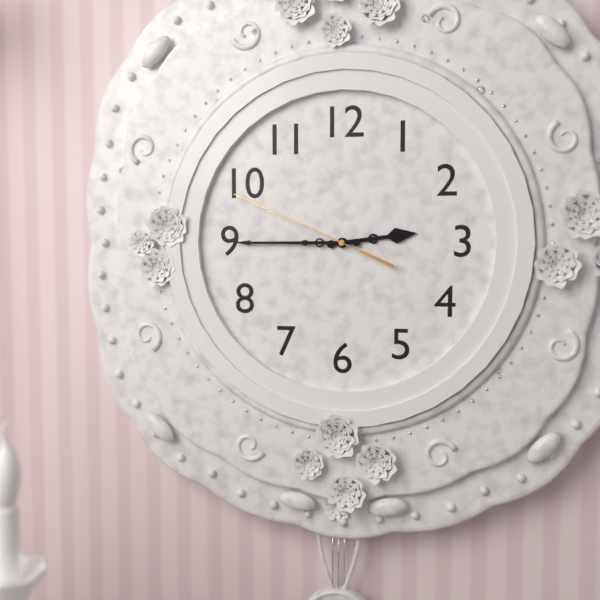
2:45:49
